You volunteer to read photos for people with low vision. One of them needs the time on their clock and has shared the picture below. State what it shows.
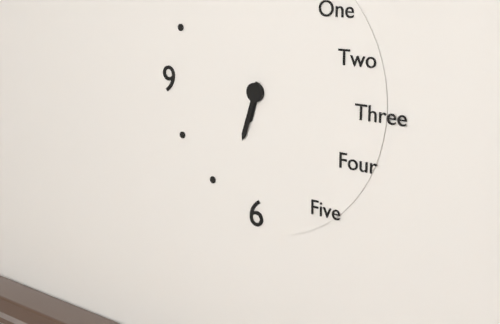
6:33
